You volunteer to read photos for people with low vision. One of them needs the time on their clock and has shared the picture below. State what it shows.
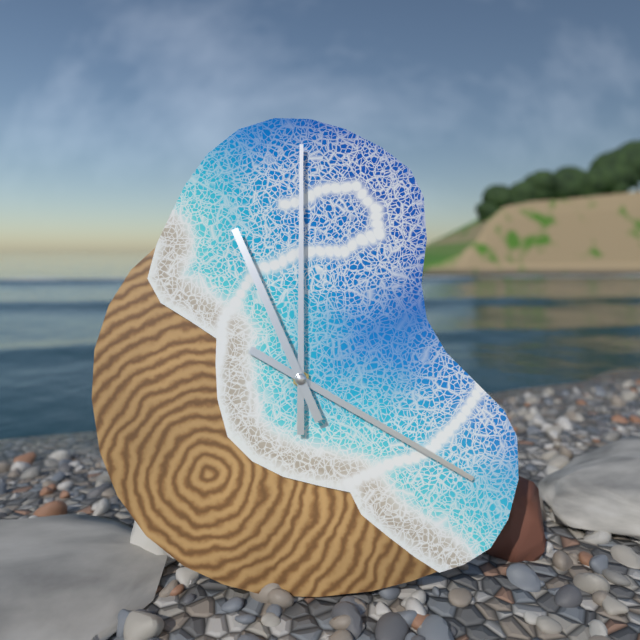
4:00:56
